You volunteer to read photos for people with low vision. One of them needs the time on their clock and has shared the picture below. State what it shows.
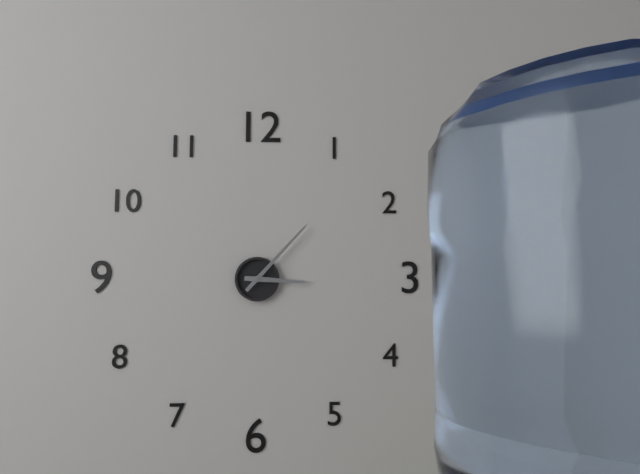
3:07
